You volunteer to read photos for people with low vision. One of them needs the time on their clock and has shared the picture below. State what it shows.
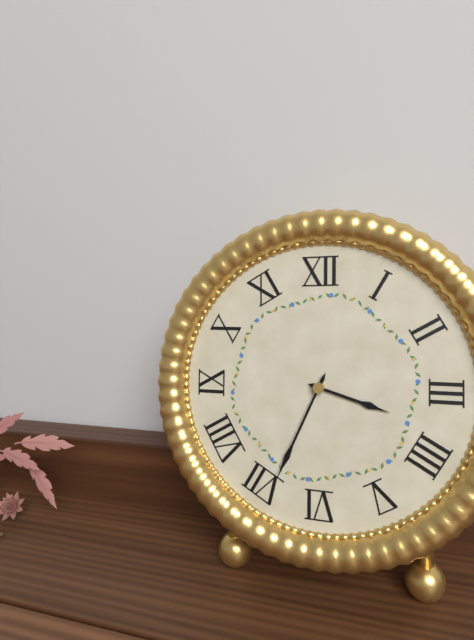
3:34
